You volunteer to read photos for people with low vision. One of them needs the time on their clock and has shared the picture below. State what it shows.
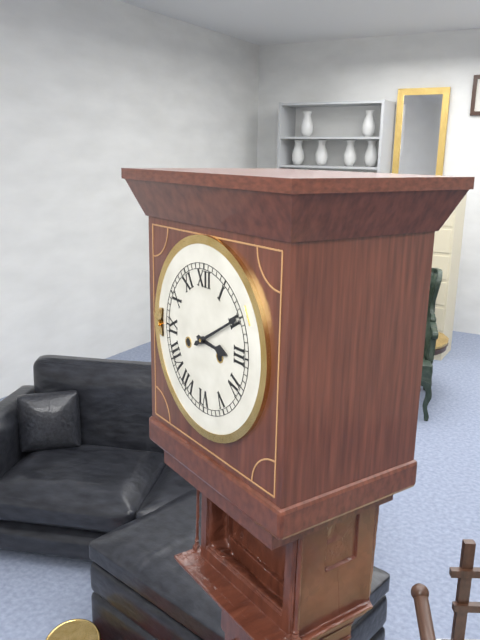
3:10
